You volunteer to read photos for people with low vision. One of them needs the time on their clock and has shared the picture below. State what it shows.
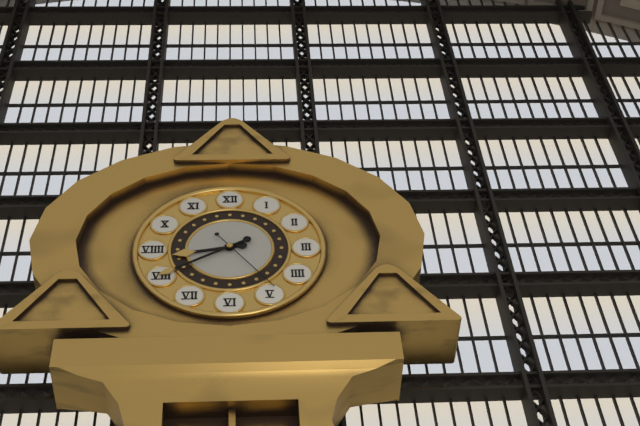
8:40:24
